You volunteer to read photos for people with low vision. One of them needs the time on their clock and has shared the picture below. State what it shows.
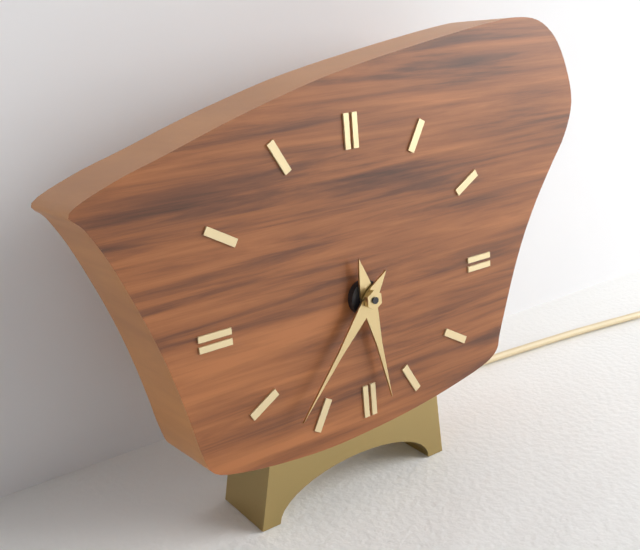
5:37
